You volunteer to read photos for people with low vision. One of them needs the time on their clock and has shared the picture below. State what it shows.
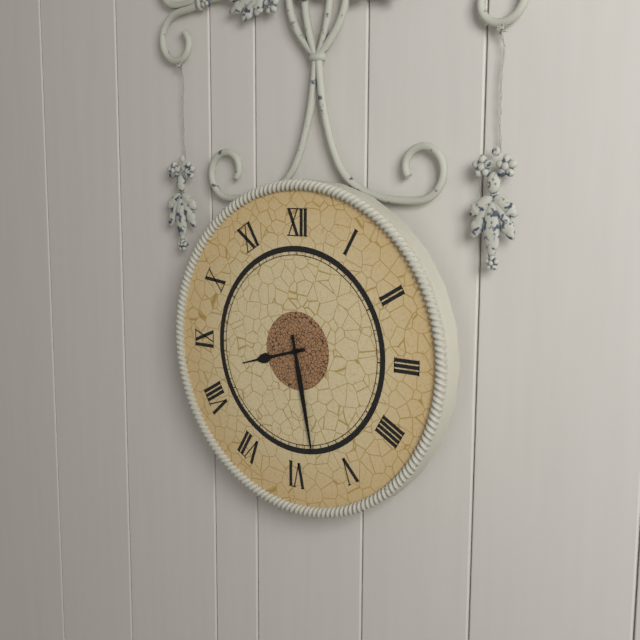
8:28
